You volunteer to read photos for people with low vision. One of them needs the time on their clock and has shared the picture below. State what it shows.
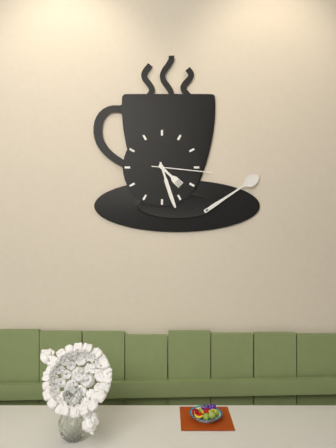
4:27:16
